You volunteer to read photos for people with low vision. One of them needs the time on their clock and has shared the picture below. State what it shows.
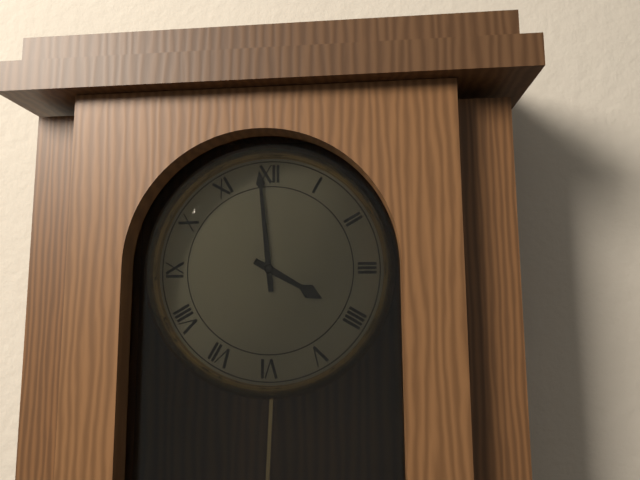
3:59
